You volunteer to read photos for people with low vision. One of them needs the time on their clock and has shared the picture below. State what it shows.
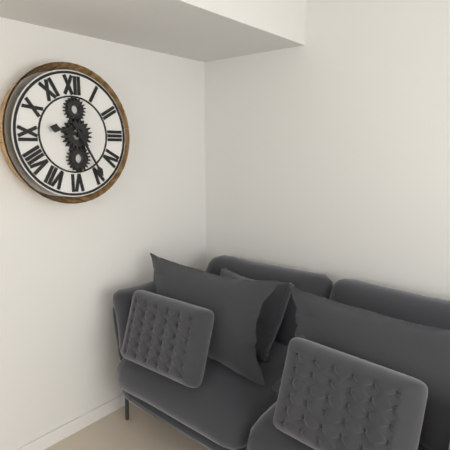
9:25
